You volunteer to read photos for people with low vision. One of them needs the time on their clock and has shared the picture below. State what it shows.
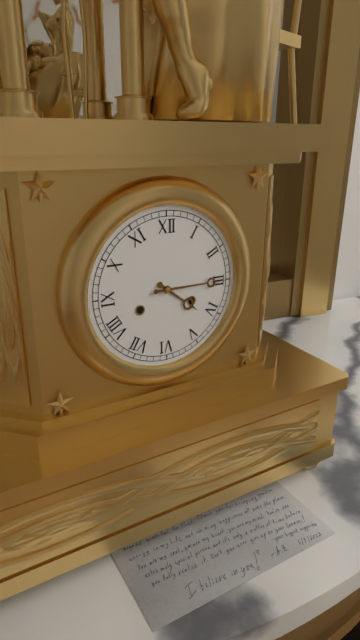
4:15
